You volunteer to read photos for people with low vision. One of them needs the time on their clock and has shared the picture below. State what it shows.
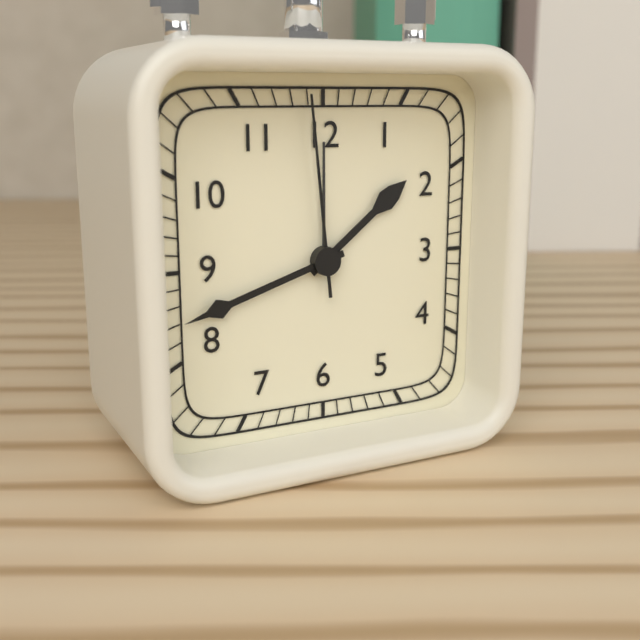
1:42:59
